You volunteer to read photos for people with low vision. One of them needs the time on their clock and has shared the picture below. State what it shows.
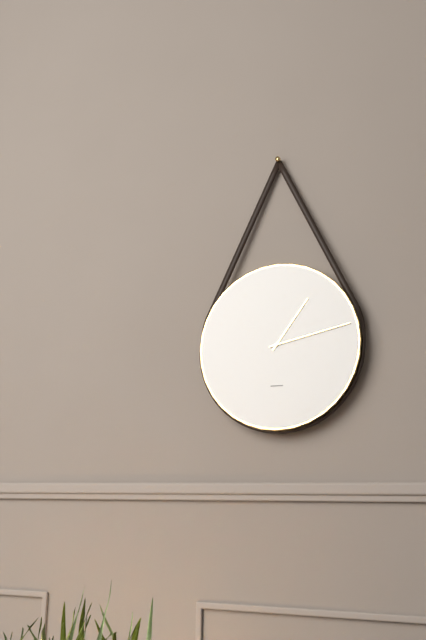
1:13
